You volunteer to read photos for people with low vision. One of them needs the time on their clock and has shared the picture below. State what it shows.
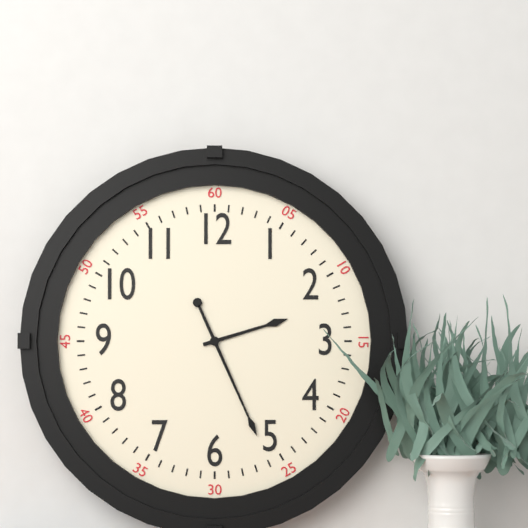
2:26
